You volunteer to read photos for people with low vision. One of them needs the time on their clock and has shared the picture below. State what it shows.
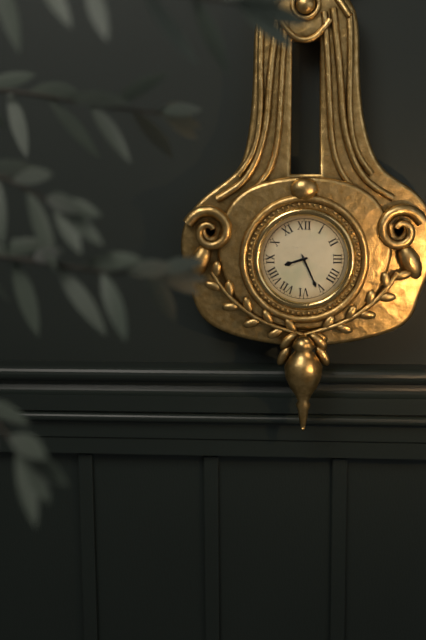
8:26
